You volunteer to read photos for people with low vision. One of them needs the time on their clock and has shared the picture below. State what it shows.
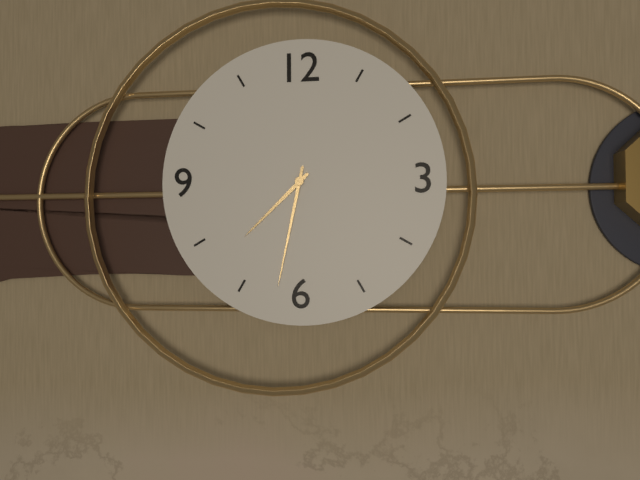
7:32
